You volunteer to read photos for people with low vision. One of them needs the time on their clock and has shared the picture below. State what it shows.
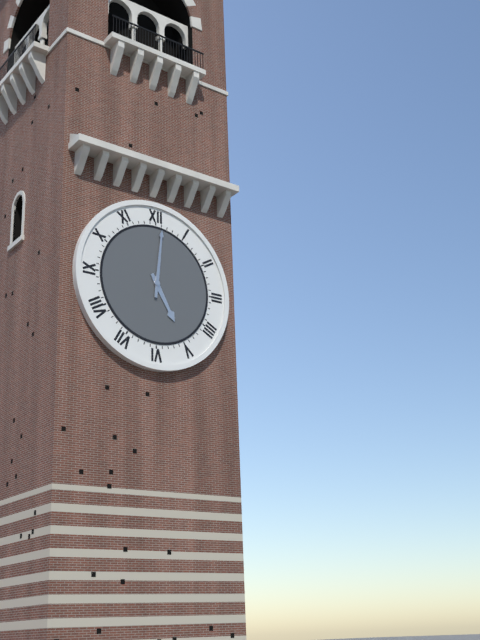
5:01
